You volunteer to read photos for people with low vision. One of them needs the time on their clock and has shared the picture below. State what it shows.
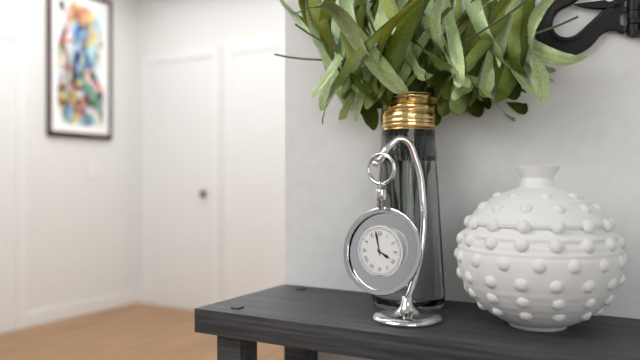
3:58
